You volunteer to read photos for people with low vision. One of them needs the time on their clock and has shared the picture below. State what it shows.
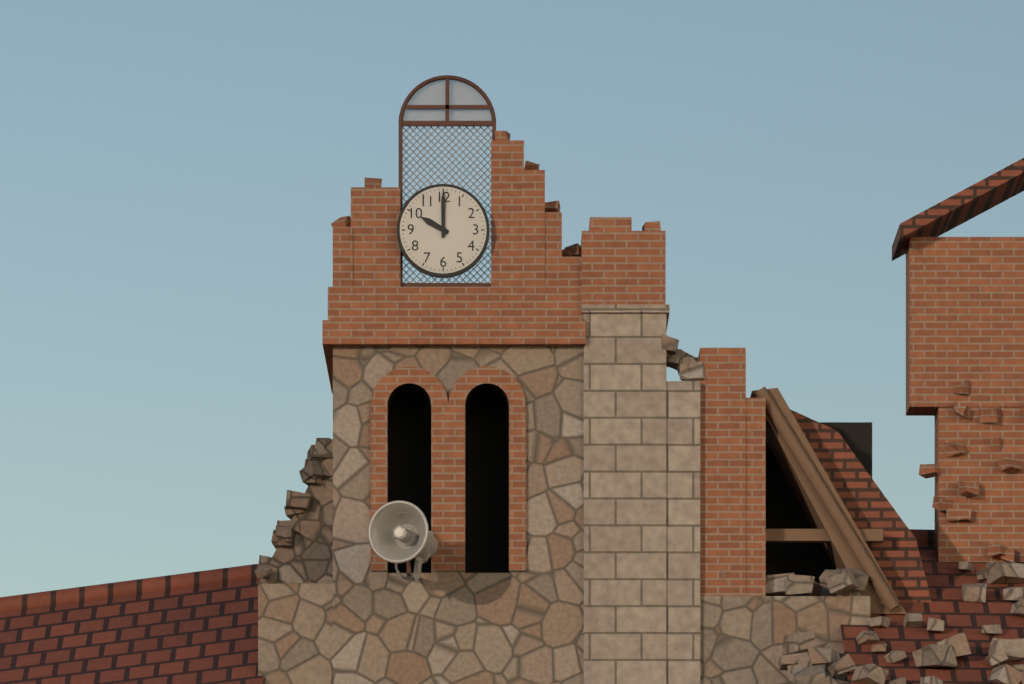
10:00
